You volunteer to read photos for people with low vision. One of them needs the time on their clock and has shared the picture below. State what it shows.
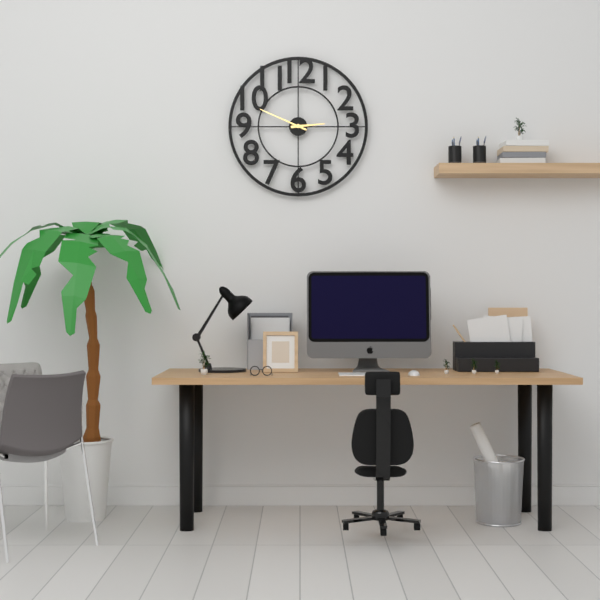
2:49
